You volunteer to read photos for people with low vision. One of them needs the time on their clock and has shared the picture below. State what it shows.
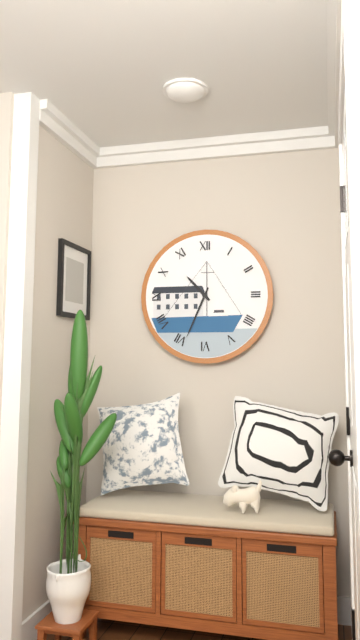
10:34
